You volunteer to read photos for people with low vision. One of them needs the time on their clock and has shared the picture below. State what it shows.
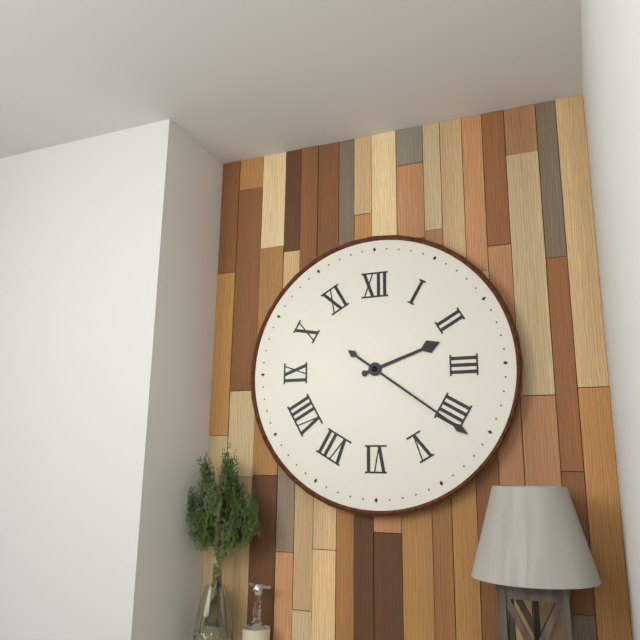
2:21
